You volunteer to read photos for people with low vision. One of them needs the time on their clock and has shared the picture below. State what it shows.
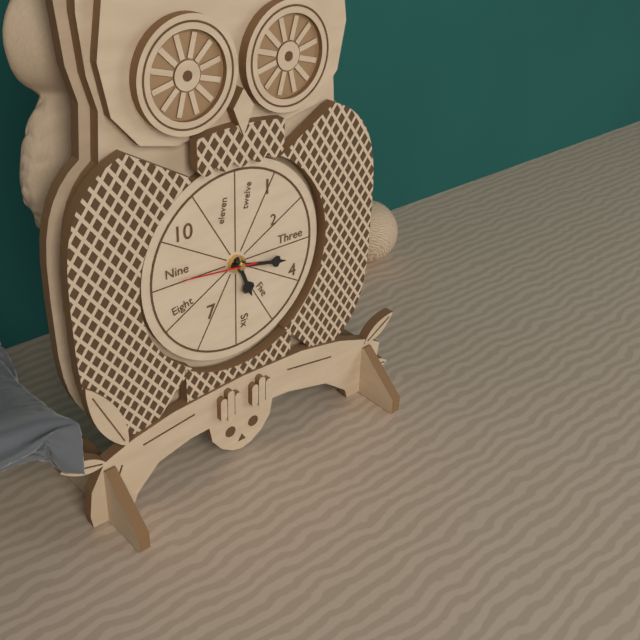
5:17:46
